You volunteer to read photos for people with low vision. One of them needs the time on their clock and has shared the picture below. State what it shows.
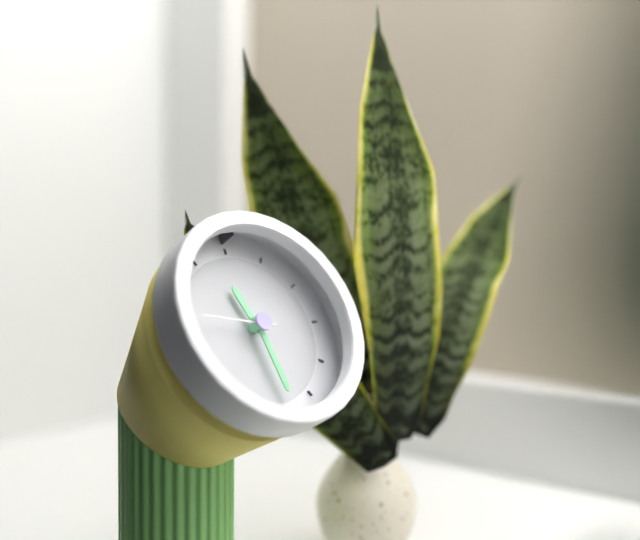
11:29:47
